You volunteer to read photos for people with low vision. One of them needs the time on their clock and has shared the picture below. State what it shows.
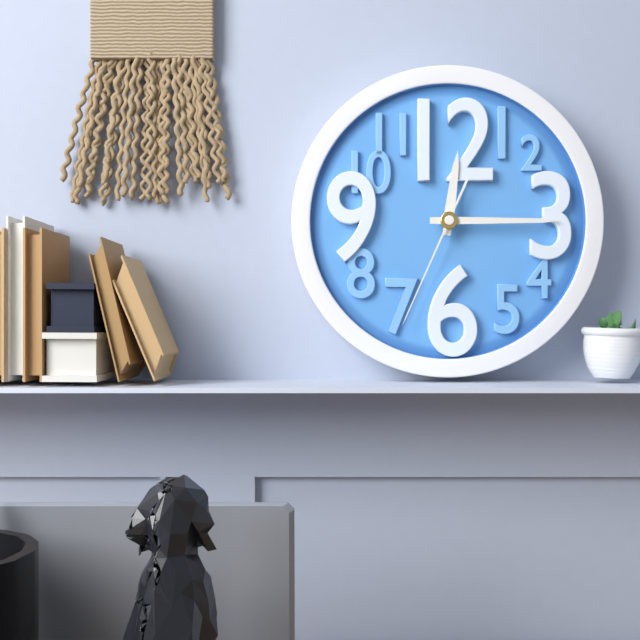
12:15:34
